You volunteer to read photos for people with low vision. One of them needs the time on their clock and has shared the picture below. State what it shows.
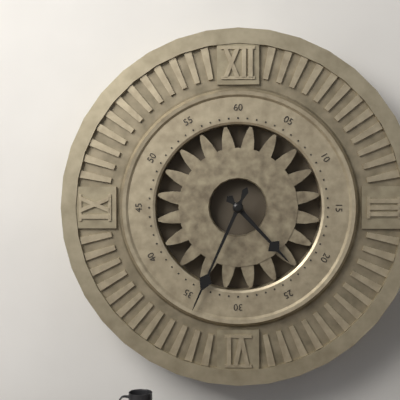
4:34
